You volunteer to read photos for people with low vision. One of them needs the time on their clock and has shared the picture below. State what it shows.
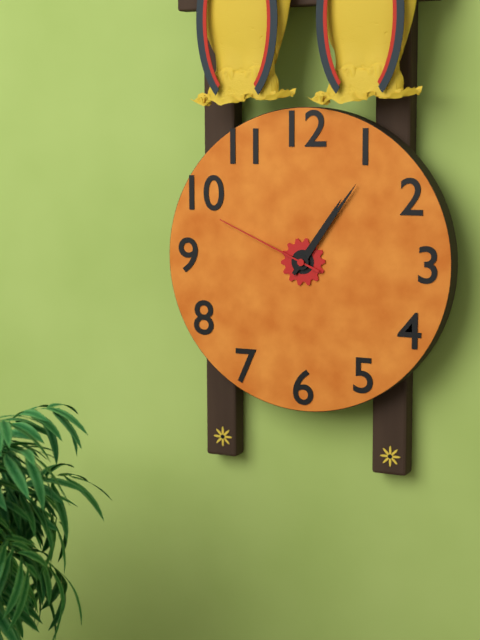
1:06:49
